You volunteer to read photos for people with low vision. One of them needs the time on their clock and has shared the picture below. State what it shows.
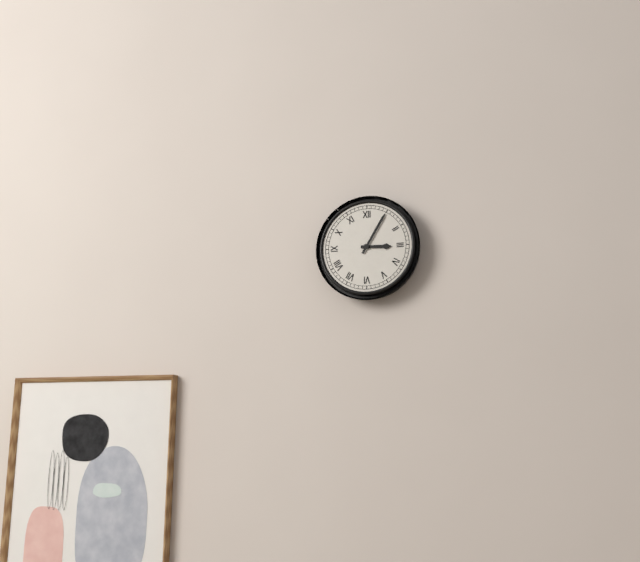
3:05
